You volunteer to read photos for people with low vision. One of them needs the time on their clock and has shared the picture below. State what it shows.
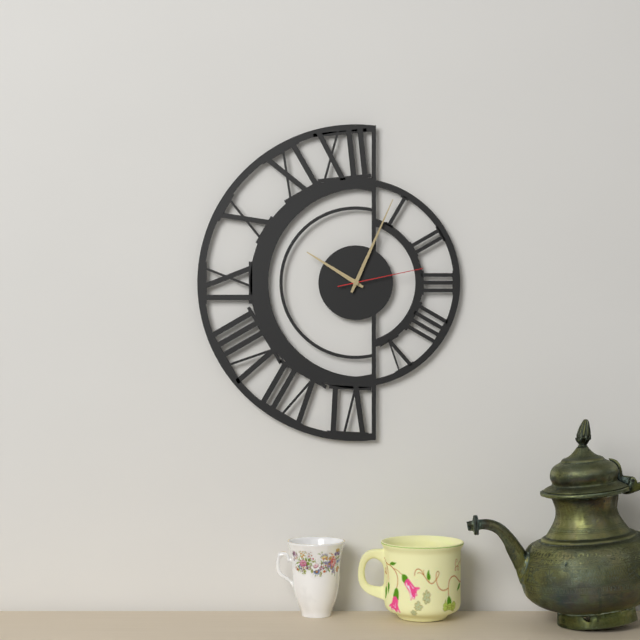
10:04:13
